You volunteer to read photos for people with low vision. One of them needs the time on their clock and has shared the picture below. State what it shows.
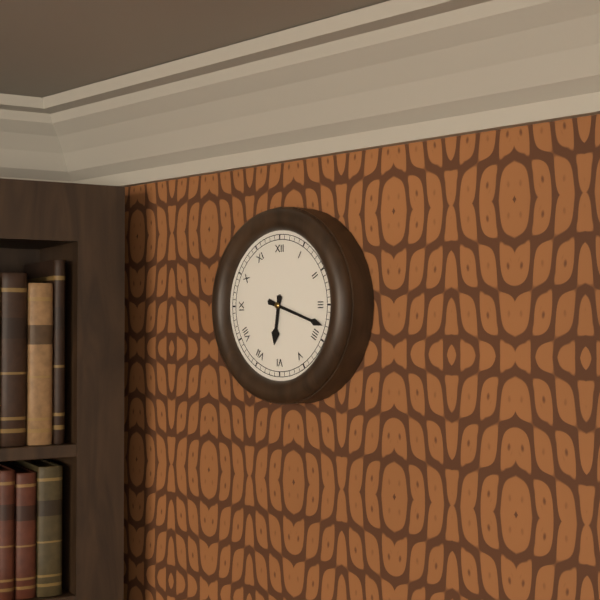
6:18
